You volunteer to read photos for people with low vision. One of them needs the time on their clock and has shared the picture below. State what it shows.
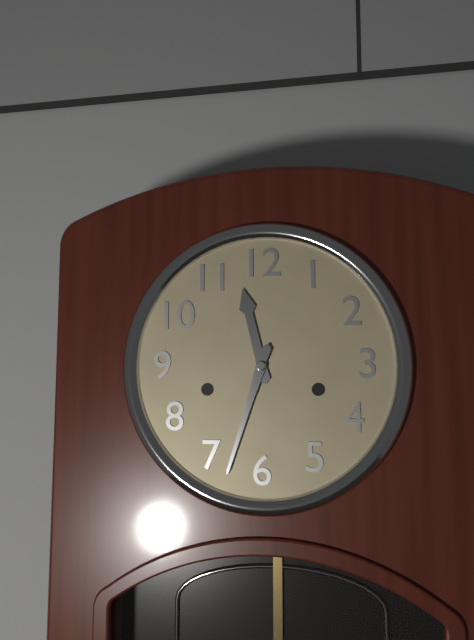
11:33
